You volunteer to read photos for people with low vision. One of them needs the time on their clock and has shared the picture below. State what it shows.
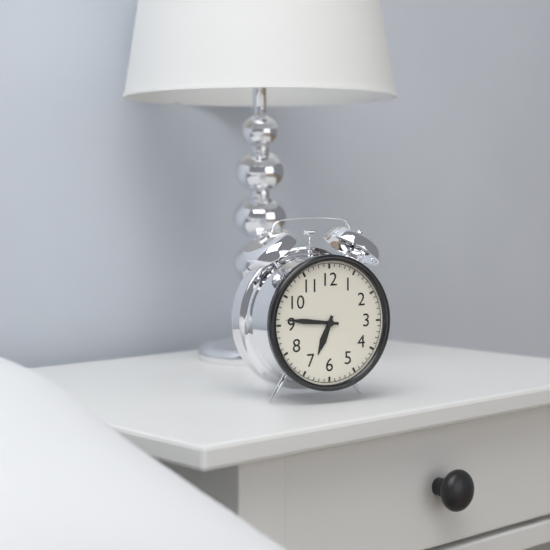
6:46
